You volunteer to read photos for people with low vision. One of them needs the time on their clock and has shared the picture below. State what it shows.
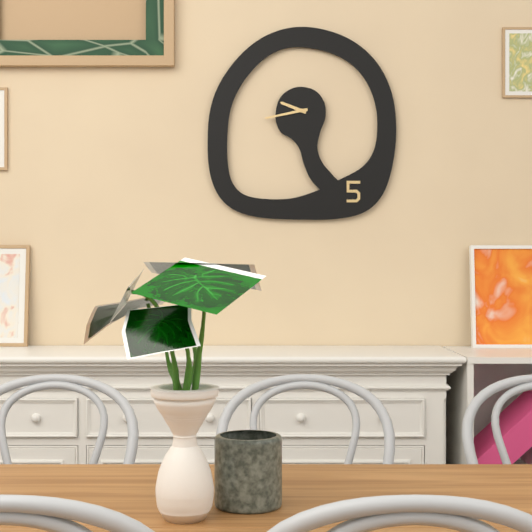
9:43
